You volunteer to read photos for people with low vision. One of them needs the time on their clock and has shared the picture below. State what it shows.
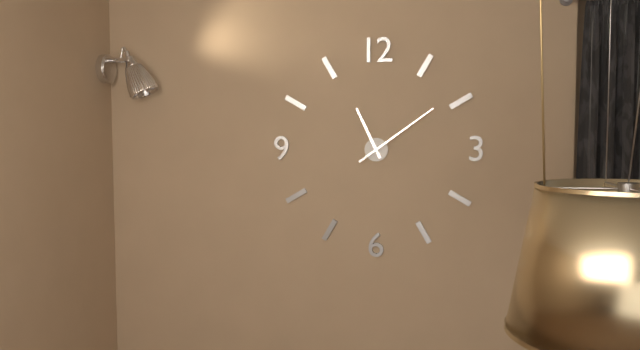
11:09
